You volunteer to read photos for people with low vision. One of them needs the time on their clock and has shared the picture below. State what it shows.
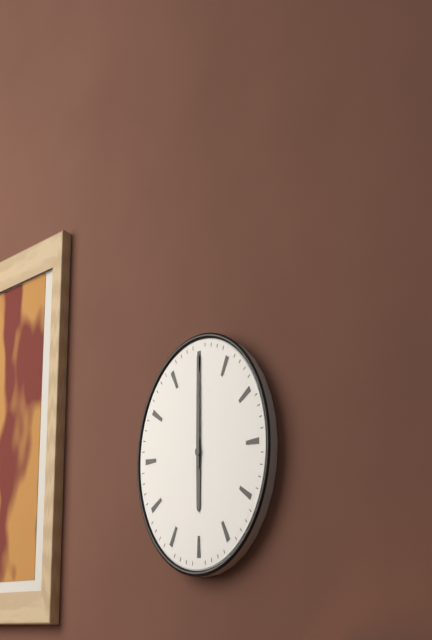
6:00
